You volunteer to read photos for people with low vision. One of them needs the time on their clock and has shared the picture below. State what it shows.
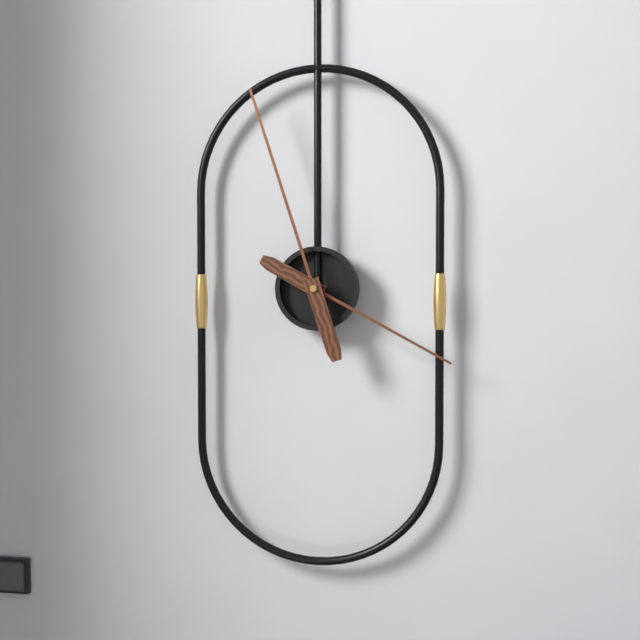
3:57
